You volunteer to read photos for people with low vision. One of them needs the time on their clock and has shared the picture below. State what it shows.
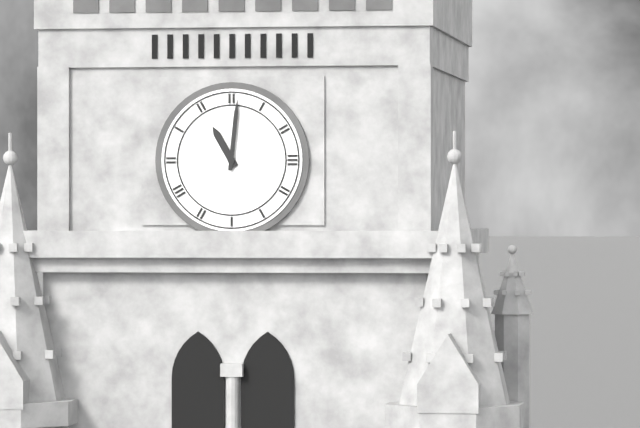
11:01
